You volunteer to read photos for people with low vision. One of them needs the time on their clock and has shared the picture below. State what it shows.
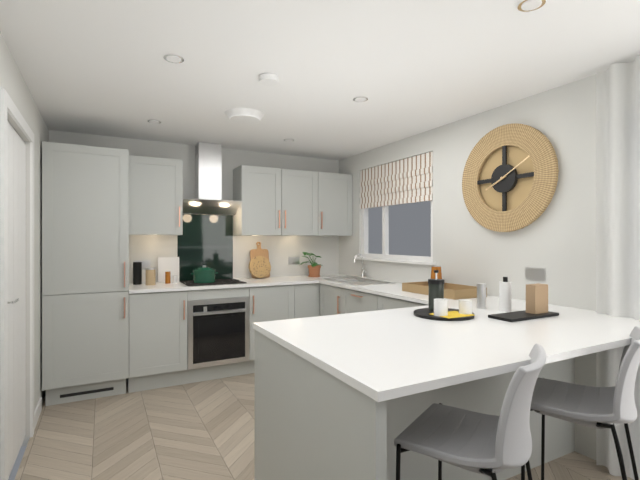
8:10
